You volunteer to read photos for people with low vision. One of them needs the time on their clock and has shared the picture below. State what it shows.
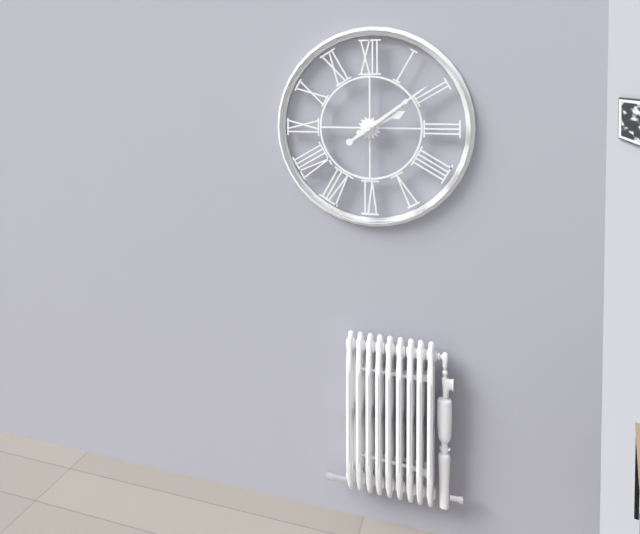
2:09
